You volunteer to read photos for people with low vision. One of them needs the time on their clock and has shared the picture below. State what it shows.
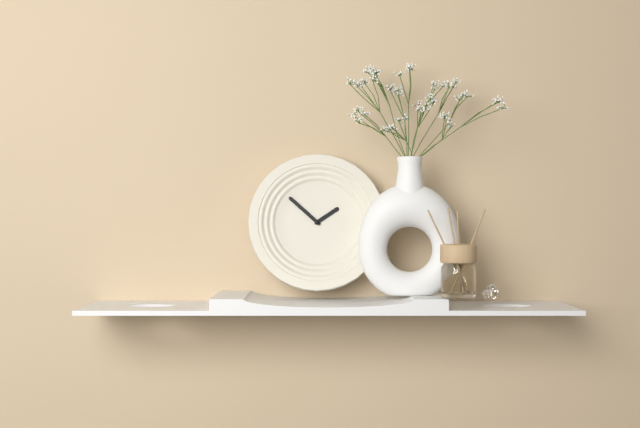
1:52
